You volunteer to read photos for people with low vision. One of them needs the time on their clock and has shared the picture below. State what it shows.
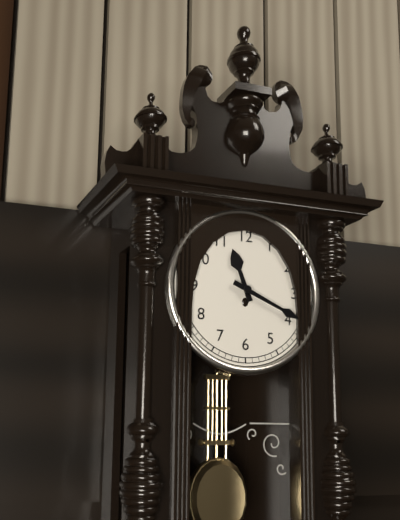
11:19
